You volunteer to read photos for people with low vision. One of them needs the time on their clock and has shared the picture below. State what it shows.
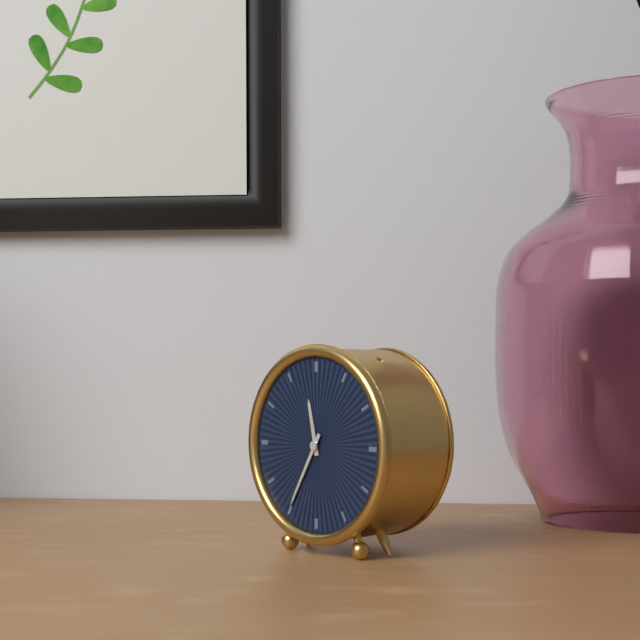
11:35
